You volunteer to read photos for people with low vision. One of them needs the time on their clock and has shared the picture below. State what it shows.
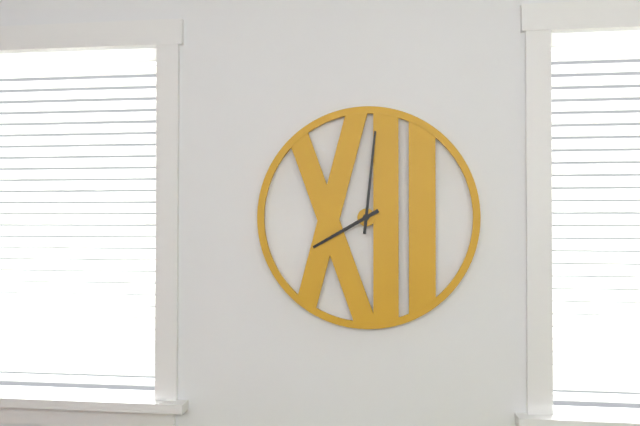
8:01
